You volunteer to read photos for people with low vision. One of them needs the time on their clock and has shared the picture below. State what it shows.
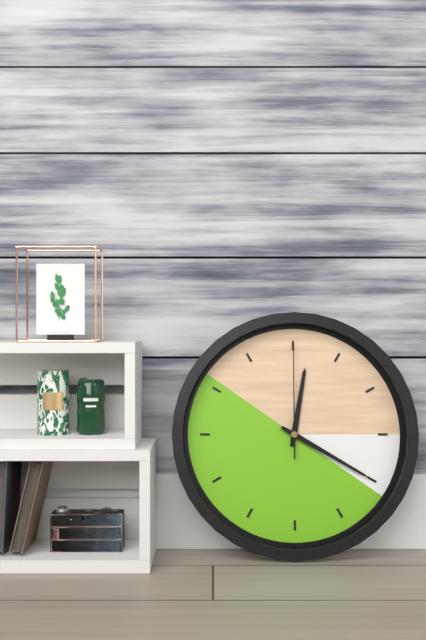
12:20:00
